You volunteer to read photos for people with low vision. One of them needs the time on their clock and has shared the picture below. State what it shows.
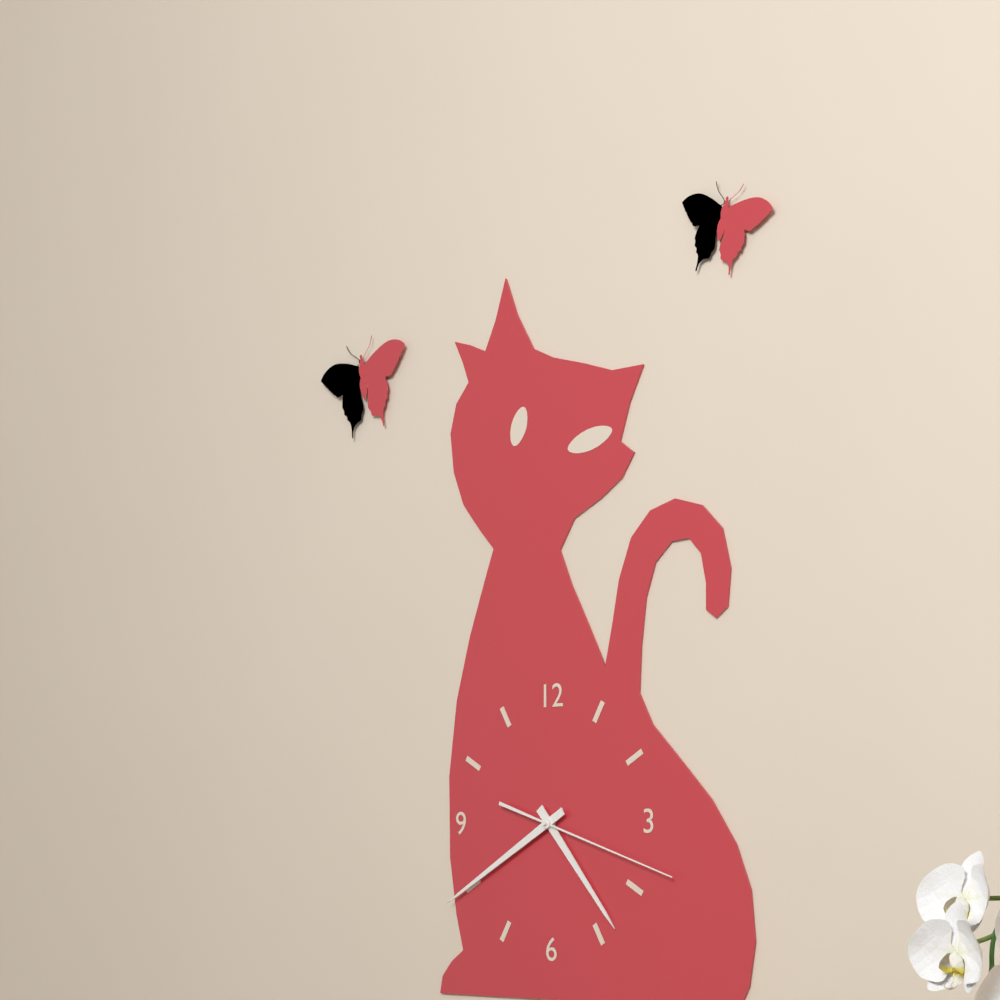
4:40:18
